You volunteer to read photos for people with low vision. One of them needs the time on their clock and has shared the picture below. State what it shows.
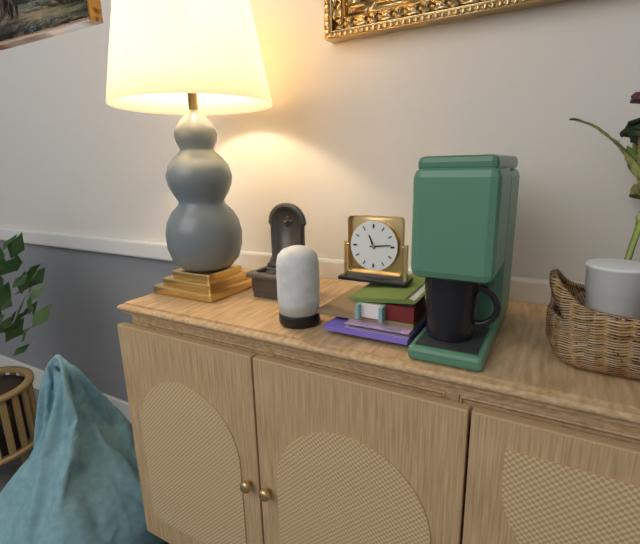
11:14
